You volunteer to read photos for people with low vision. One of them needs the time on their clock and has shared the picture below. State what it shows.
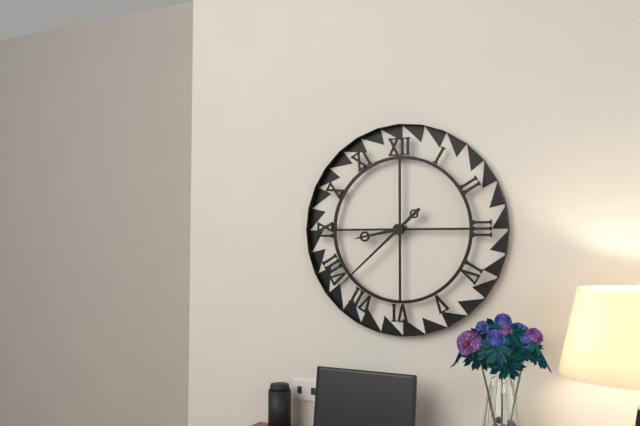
8:38
